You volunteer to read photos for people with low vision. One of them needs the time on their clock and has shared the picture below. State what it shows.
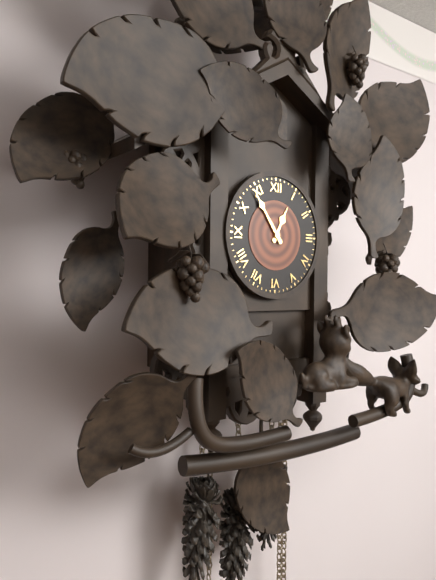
12:54
